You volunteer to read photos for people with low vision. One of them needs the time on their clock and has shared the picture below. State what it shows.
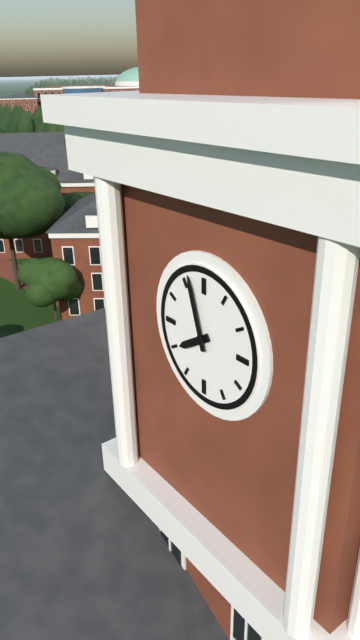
7:57
